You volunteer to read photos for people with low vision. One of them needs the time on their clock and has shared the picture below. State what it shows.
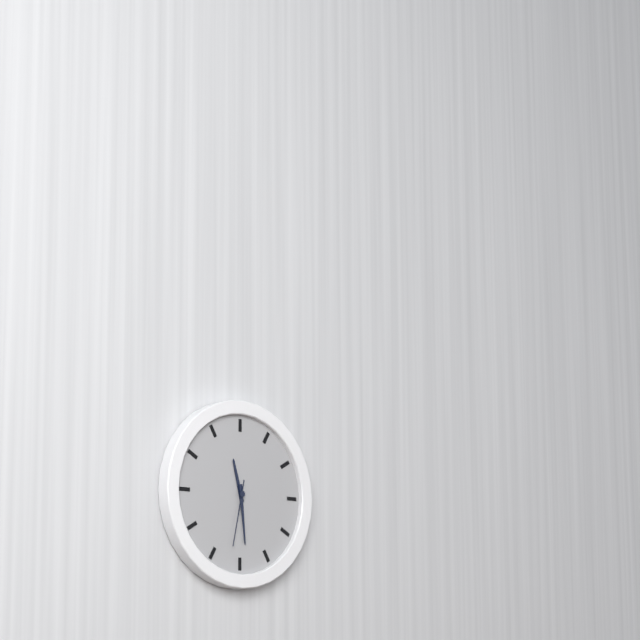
11:29:32
